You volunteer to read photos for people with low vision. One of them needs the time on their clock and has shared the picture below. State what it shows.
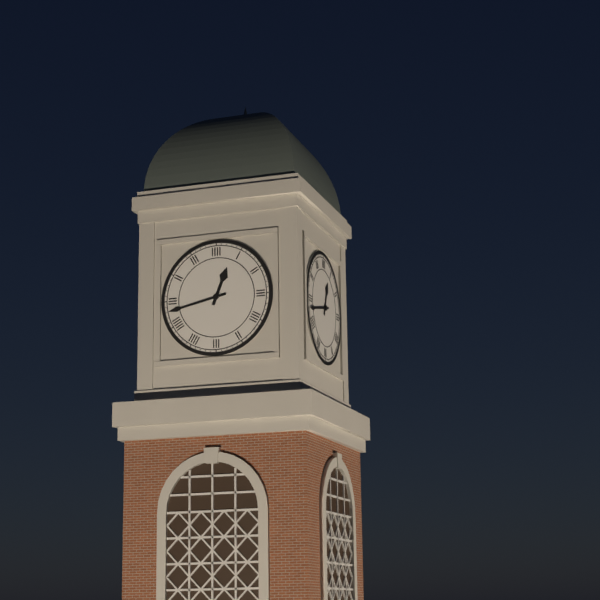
12:43
